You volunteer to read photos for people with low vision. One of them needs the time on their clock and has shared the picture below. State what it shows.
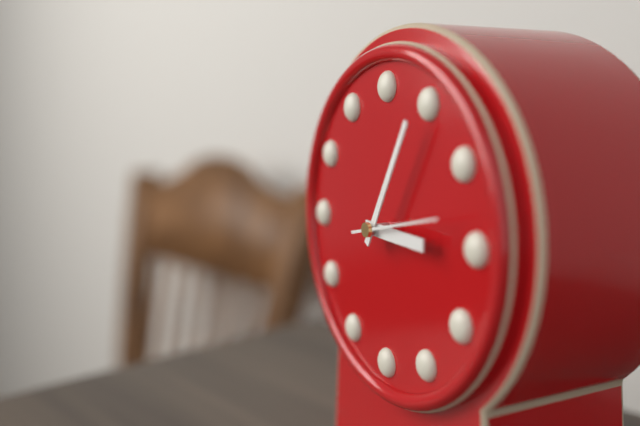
3:05:13
